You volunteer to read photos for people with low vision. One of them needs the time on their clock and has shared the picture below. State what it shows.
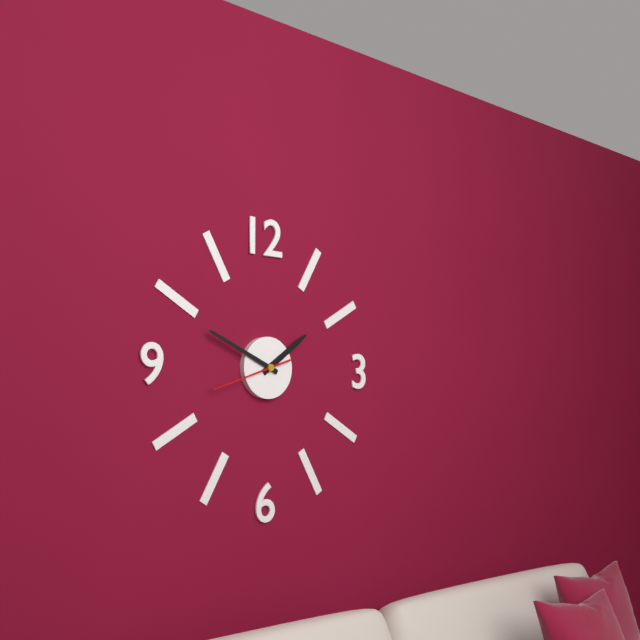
1:49:42
